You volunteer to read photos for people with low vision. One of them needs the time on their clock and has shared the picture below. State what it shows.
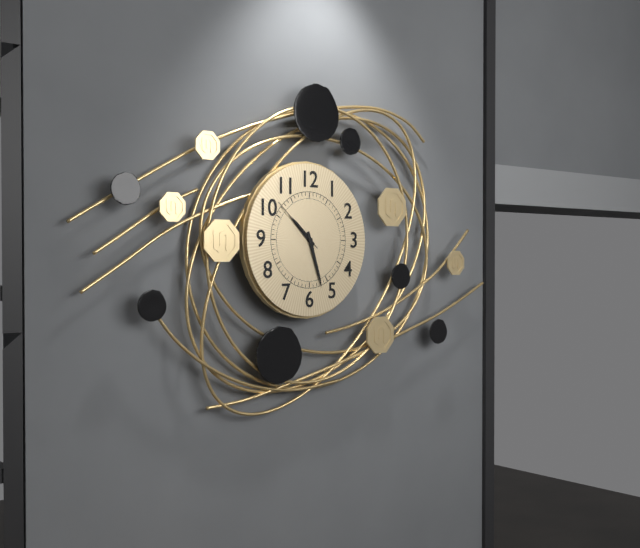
10:27:52
